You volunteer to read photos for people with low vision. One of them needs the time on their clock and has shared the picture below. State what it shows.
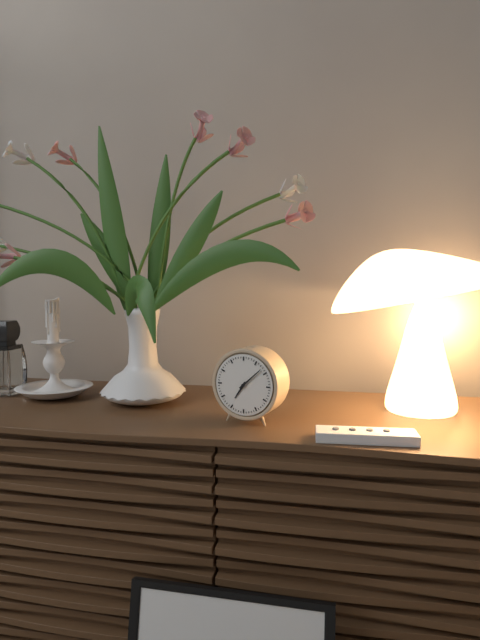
7:08
